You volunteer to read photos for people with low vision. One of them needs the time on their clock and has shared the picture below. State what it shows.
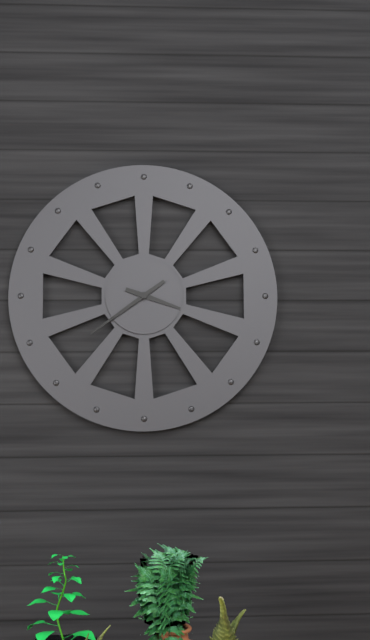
3:39
